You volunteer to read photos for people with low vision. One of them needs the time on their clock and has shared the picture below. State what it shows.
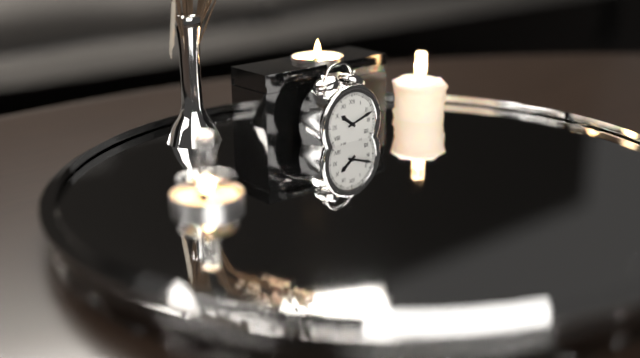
10:12
